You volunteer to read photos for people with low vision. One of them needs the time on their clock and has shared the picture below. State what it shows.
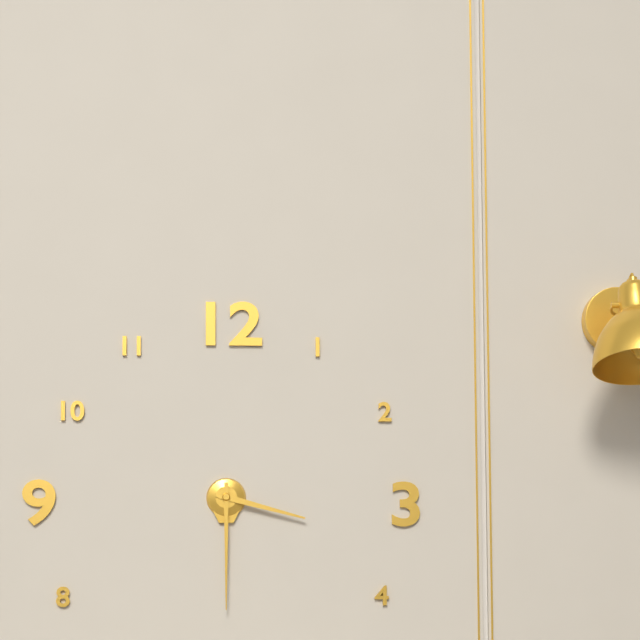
3:30
